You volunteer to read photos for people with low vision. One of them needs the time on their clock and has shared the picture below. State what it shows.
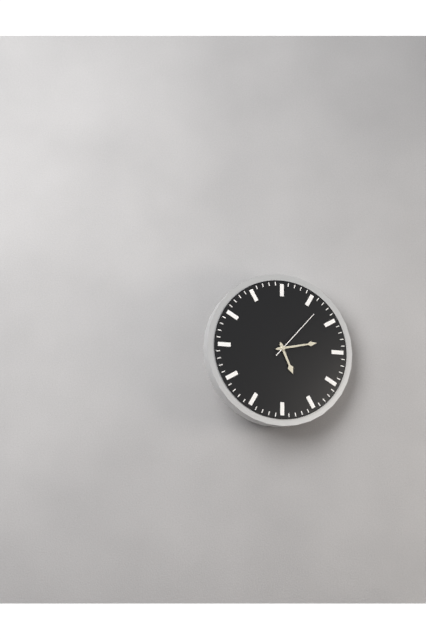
5:13:07
